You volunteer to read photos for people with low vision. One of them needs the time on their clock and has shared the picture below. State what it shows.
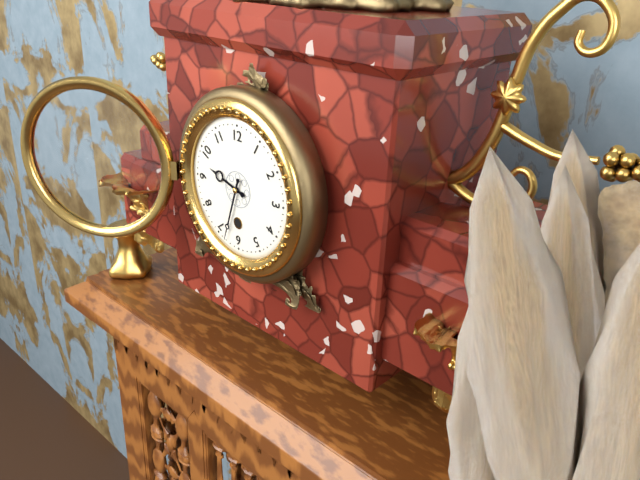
9:33
